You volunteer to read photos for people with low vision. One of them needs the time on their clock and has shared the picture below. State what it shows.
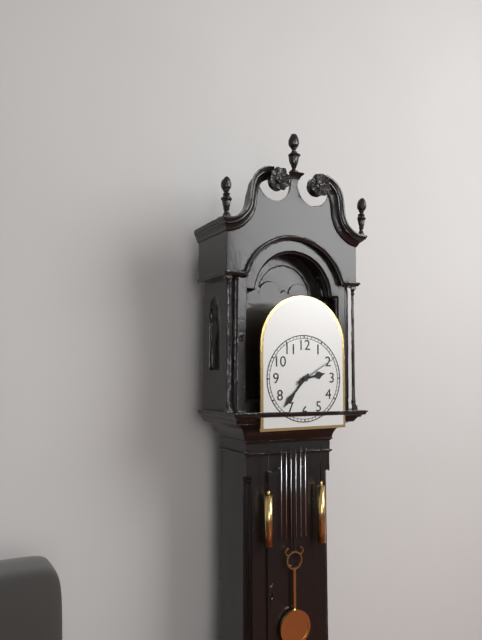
2:37
